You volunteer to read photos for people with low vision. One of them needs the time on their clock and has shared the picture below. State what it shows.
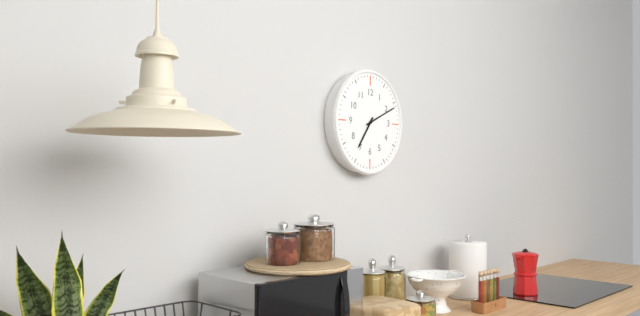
7:11
